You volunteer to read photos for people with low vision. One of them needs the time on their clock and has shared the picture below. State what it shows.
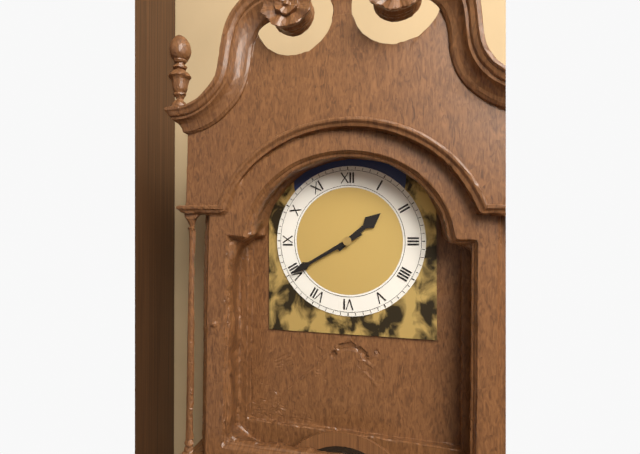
1:40
